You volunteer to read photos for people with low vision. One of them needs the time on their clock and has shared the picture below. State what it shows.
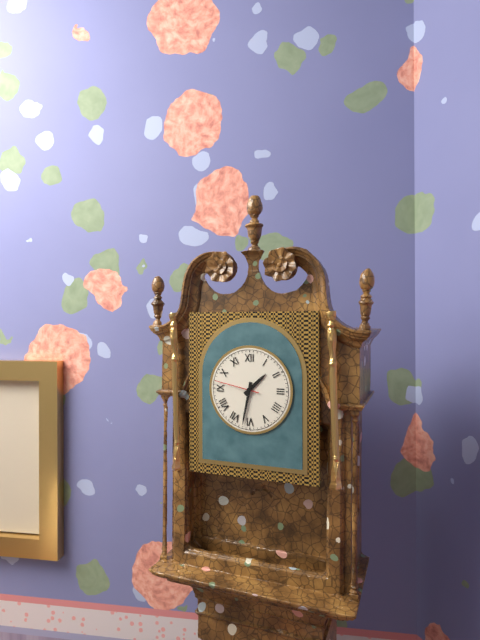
1:32
